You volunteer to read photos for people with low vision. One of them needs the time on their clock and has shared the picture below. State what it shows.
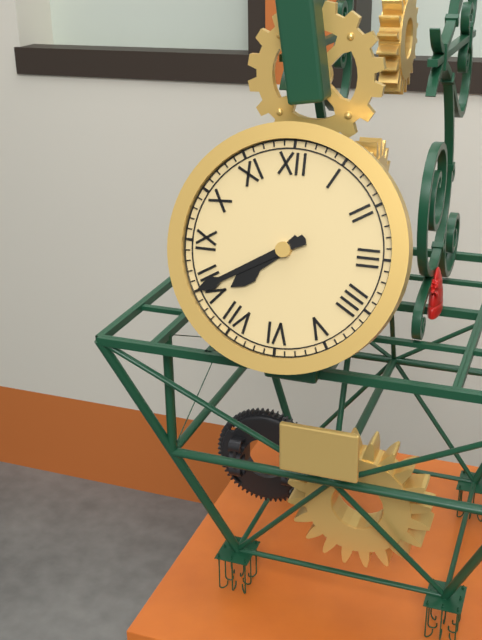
7:40
